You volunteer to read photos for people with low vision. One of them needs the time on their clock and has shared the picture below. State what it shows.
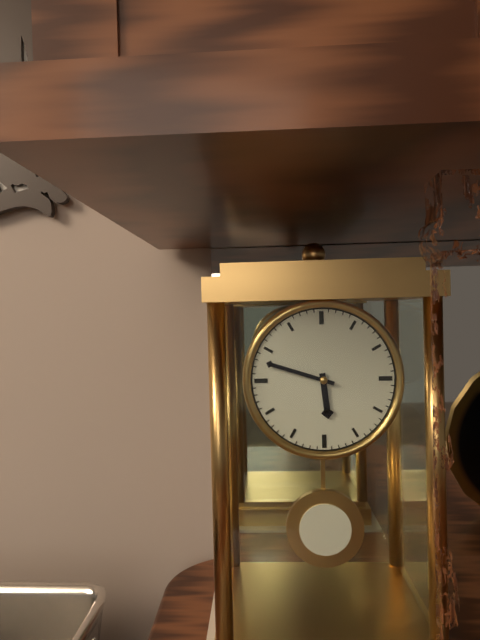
5:48
